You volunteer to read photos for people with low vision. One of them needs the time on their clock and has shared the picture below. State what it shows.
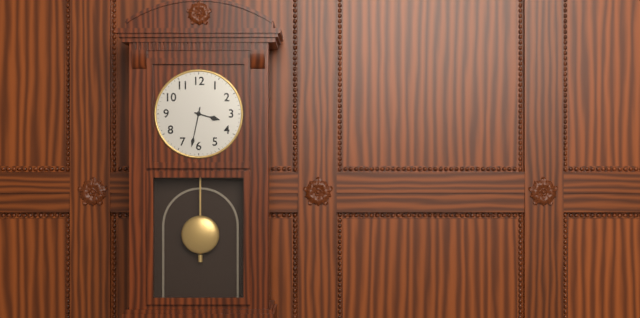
3:32
